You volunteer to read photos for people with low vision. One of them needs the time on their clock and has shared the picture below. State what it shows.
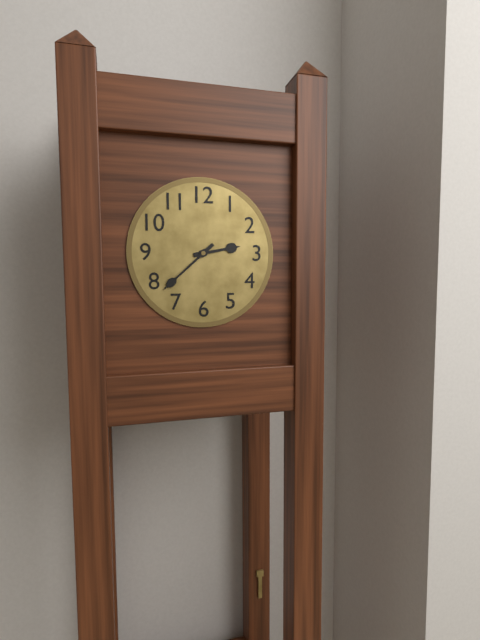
2:38
